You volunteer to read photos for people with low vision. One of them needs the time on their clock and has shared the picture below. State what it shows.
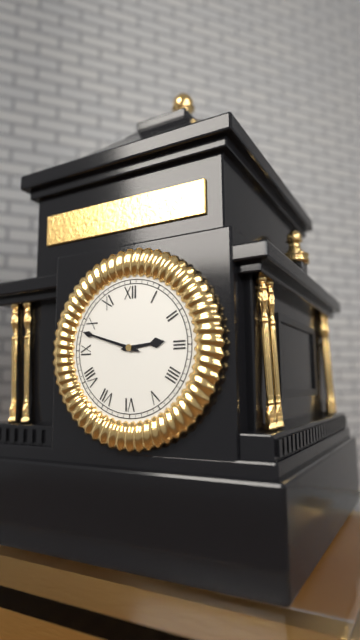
2:48
